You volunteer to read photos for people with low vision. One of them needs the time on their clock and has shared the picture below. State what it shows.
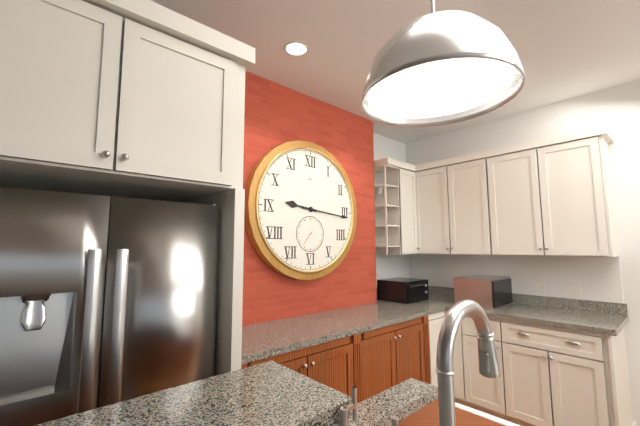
9:16
